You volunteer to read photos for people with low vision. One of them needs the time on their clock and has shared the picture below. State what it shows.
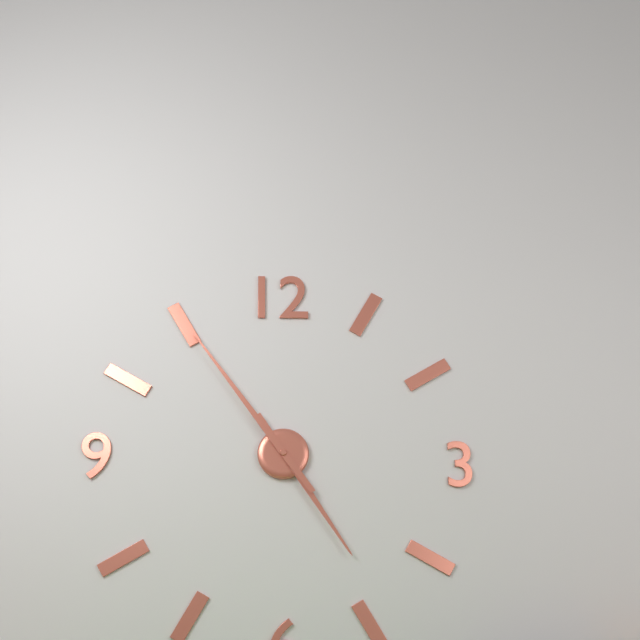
4:54
